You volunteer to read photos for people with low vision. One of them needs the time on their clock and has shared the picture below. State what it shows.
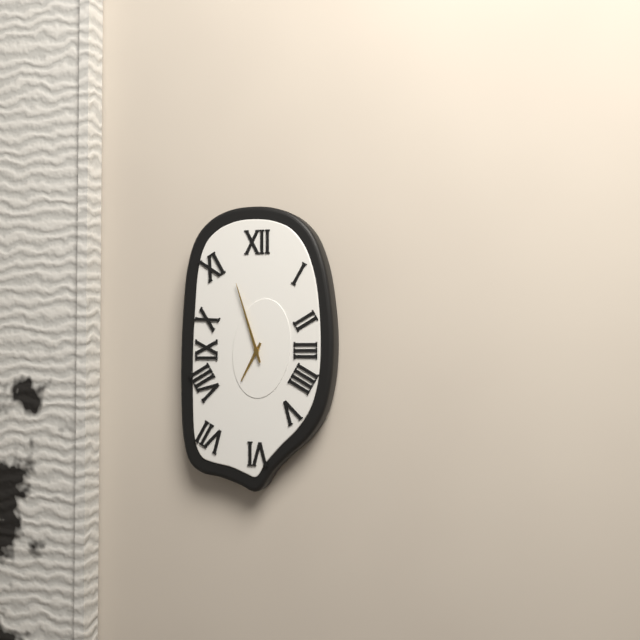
6:57
